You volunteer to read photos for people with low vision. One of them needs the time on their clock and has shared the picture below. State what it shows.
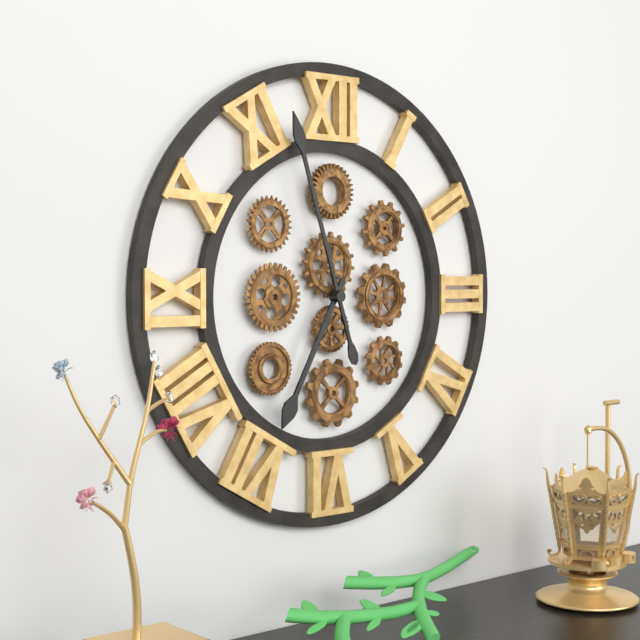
6:57
